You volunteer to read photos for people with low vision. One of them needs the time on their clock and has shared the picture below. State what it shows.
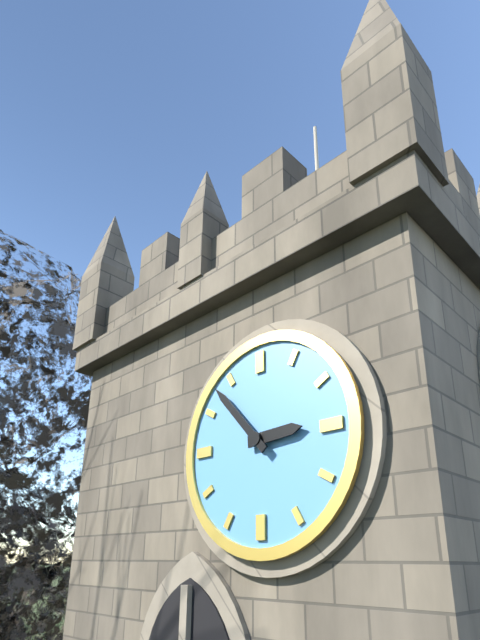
2:53
